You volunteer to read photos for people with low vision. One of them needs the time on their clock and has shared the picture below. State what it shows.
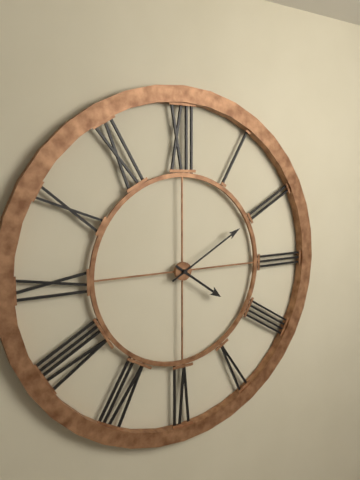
4:10
